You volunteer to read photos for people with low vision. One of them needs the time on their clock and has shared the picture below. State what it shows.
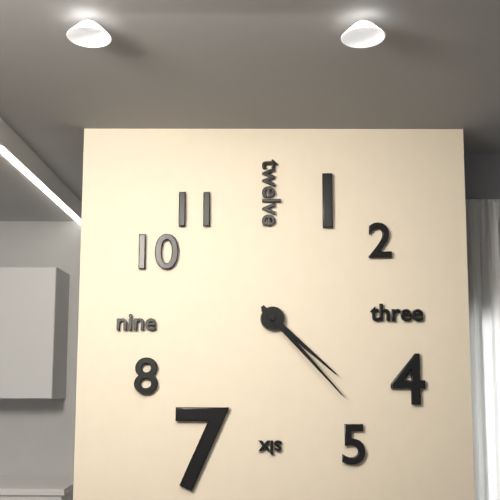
4:23
